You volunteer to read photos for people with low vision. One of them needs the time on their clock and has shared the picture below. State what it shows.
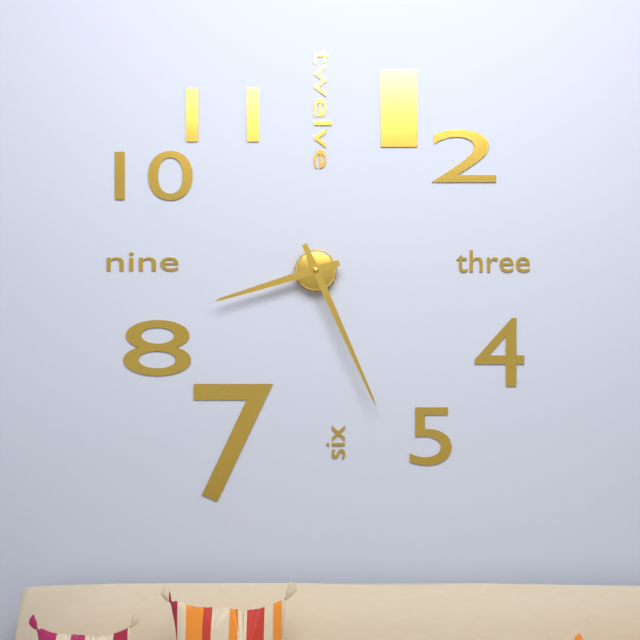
8:26
